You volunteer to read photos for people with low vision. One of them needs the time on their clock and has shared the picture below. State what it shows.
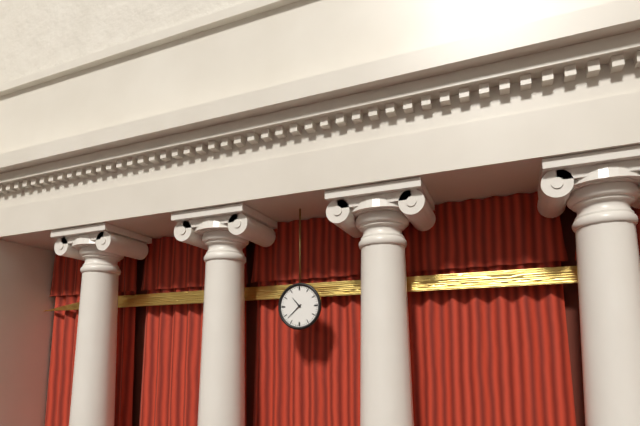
10:38
